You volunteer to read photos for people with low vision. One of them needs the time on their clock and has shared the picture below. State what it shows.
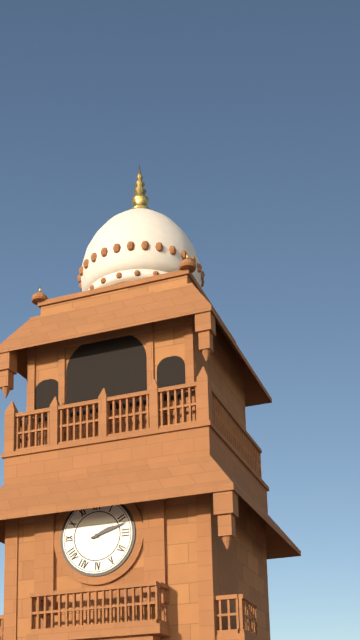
2:12
